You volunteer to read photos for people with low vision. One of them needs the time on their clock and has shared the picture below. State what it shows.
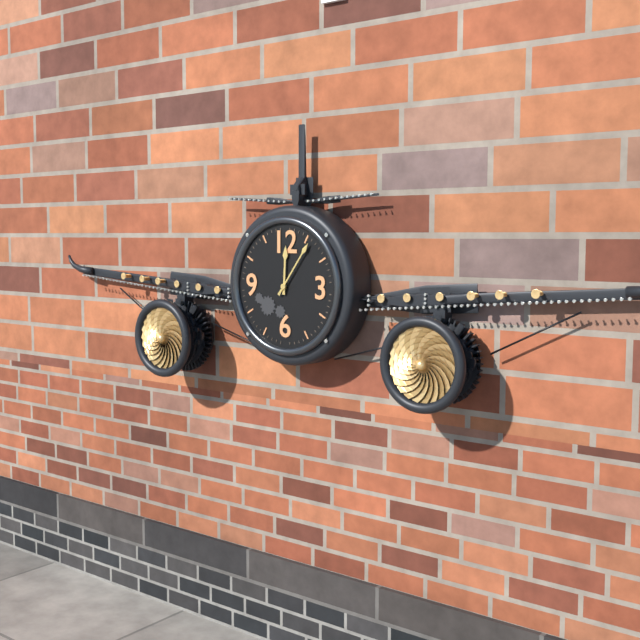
12:06
